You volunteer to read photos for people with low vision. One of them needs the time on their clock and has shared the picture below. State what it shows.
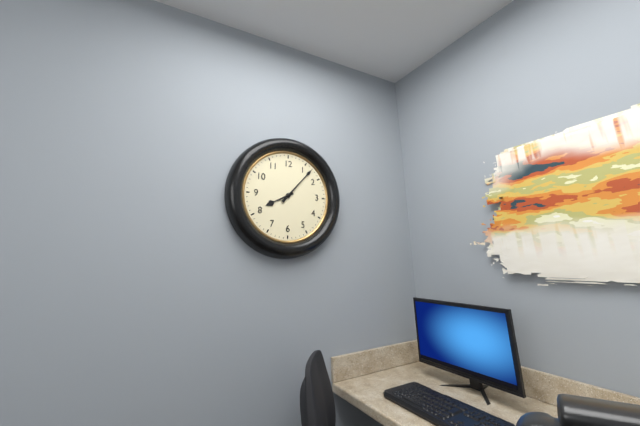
8:07
